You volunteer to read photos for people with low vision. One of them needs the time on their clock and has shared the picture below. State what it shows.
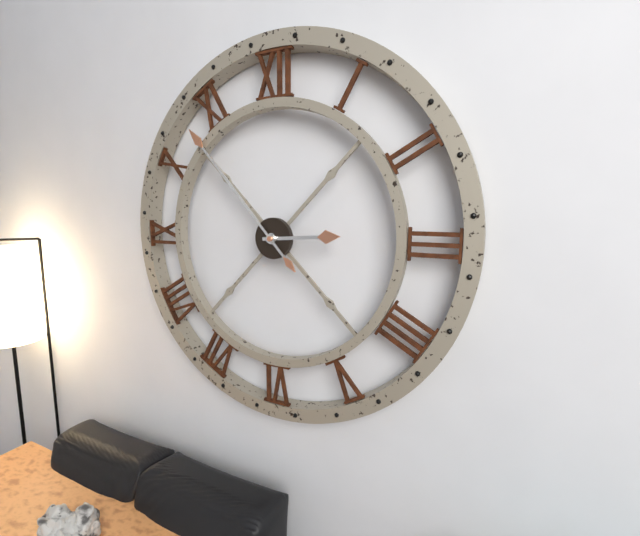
2:53
